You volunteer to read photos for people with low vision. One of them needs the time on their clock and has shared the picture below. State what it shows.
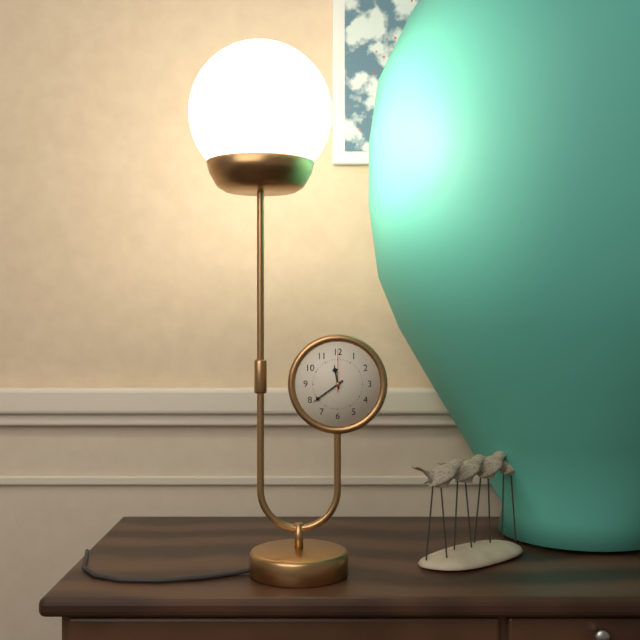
11:39
